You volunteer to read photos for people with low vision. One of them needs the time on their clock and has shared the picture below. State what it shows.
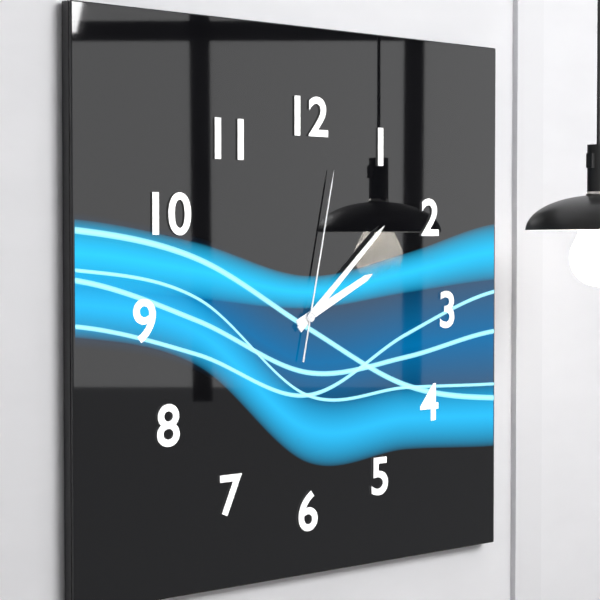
2:08:02
